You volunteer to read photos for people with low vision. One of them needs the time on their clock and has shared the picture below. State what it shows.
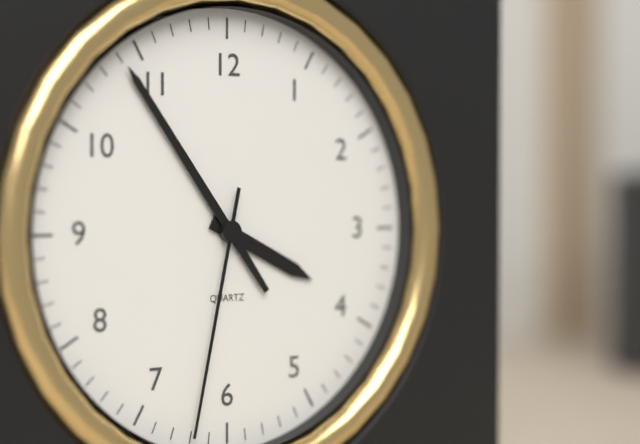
3:54:32
